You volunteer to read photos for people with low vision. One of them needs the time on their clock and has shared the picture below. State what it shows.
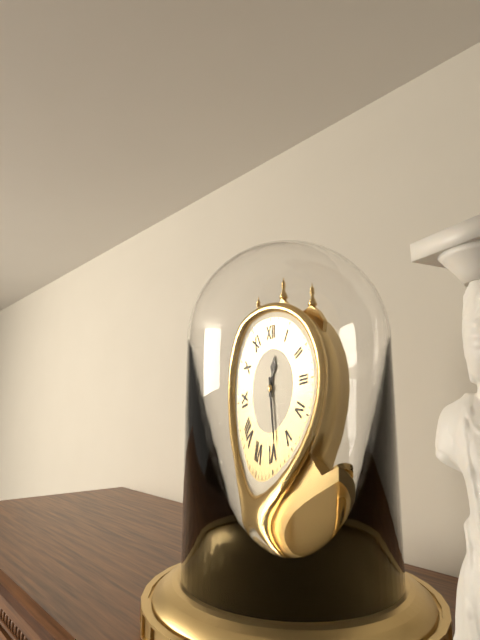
12:29
